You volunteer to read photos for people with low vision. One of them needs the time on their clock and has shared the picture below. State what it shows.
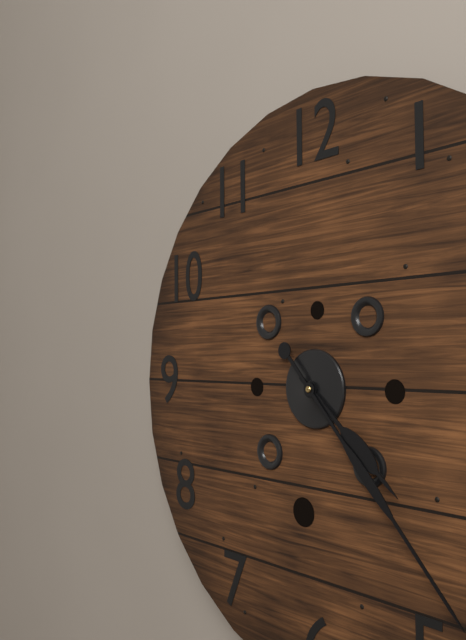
4:23
